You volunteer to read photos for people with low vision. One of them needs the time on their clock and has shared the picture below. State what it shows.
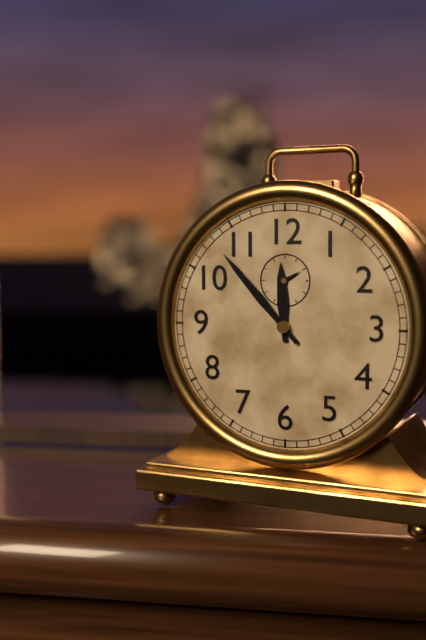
11:53
